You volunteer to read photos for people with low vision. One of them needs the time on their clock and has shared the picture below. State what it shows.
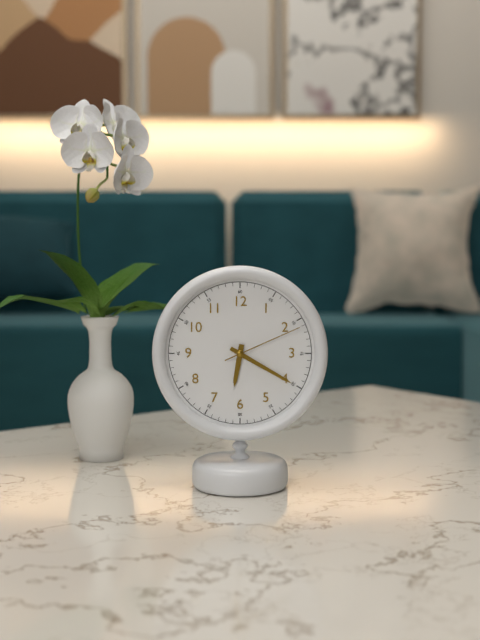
6:20:11
